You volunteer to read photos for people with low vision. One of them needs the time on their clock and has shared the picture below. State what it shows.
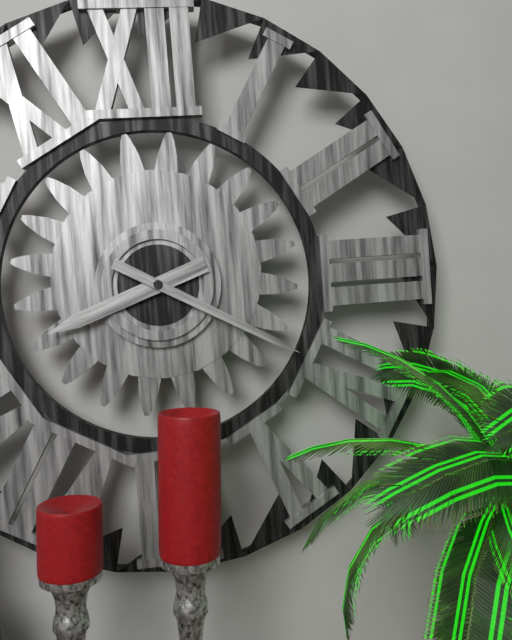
8:20
